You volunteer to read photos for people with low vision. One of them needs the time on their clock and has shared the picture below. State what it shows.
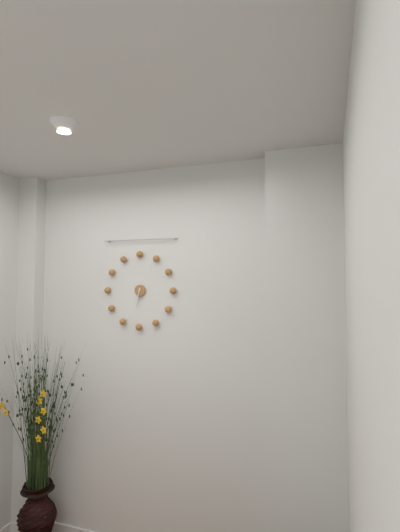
6:32
